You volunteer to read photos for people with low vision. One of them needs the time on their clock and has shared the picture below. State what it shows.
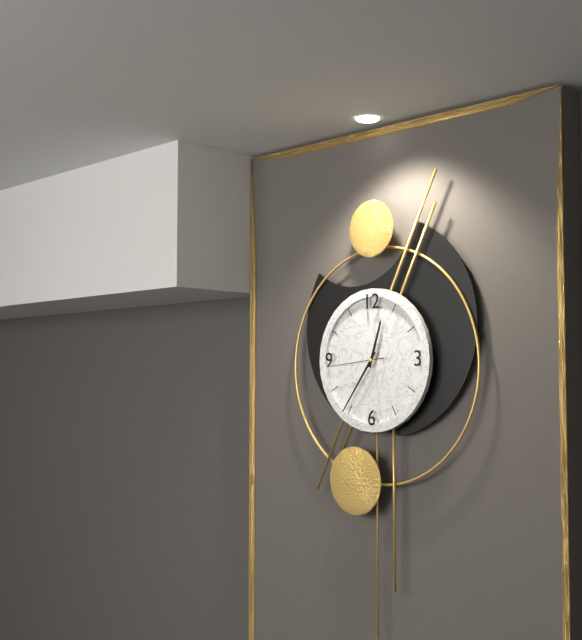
12:36:44
